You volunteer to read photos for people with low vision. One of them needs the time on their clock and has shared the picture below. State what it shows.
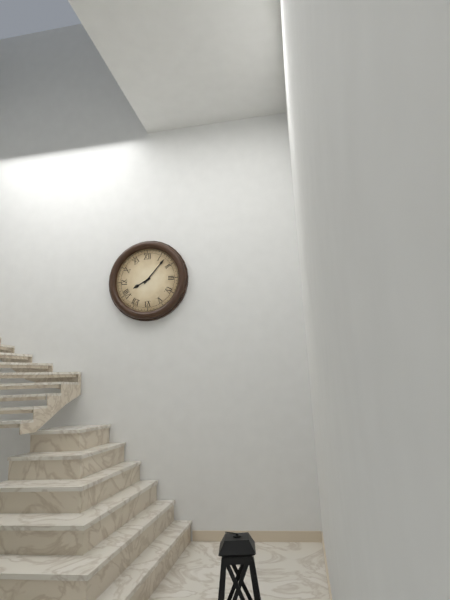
8:07
